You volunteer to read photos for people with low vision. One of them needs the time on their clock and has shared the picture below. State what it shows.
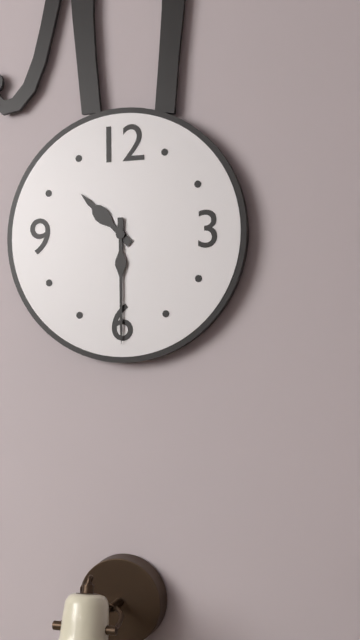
10:30
